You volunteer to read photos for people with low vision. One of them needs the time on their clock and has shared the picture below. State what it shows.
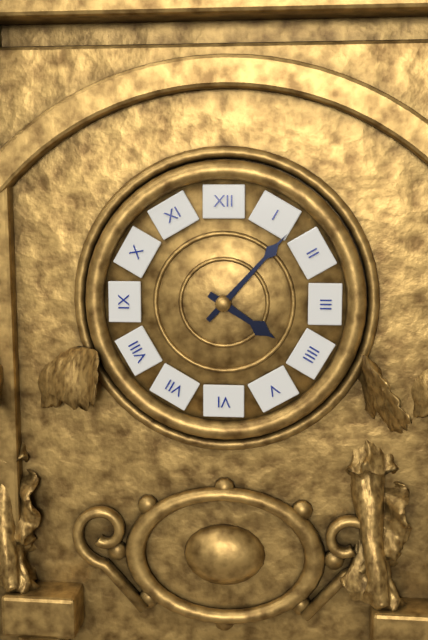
4:07
